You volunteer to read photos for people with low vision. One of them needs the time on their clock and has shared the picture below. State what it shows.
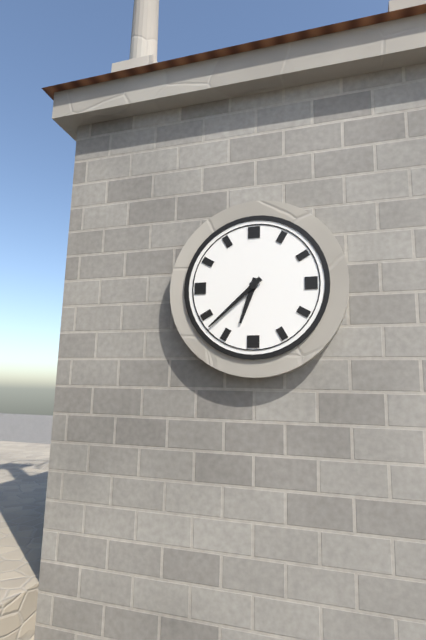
6:38
